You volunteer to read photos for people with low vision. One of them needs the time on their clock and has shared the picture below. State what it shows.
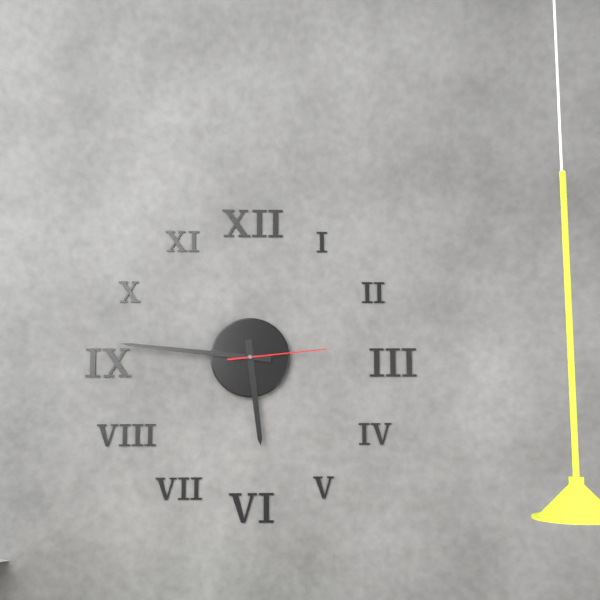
5:46:14
